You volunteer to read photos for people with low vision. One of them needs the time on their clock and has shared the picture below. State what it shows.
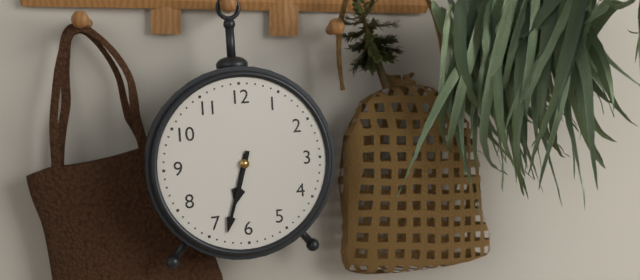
6:33
